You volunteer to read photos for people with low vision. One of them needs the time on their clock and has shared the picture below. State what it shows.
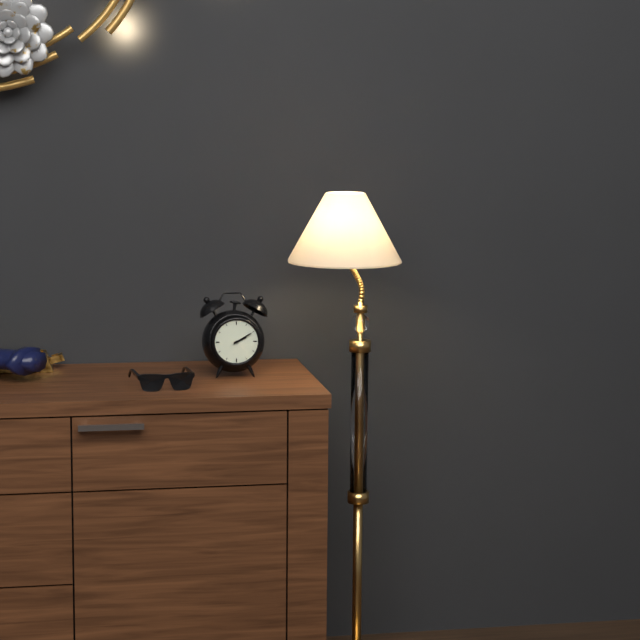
2:10
